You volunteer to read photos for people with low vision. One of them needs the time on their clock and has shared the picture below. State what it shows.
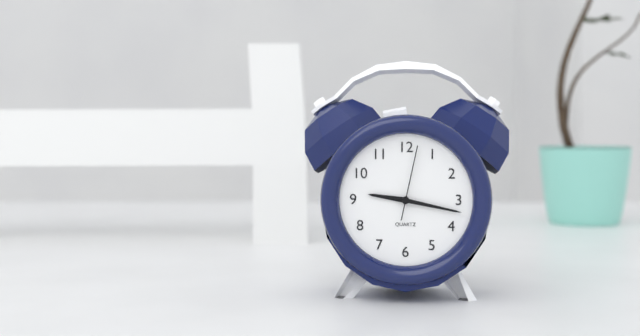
9:17:02
